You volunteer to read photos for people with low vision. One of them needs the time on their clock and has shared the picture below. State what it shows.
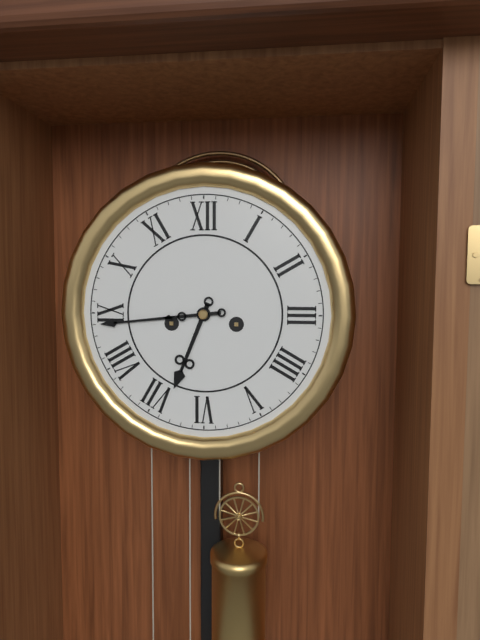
6:44
